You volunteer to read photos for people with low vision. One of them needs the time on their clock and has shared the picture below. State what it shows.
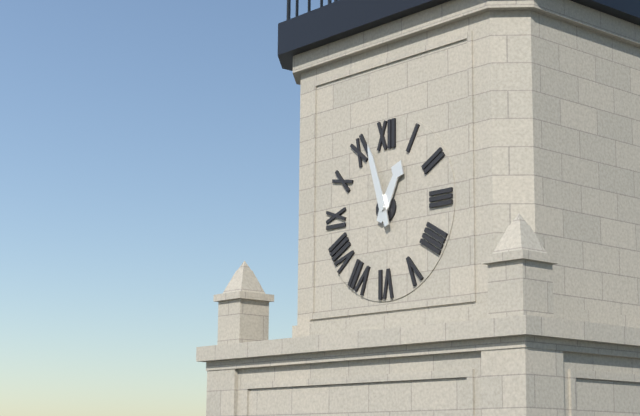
12:57
